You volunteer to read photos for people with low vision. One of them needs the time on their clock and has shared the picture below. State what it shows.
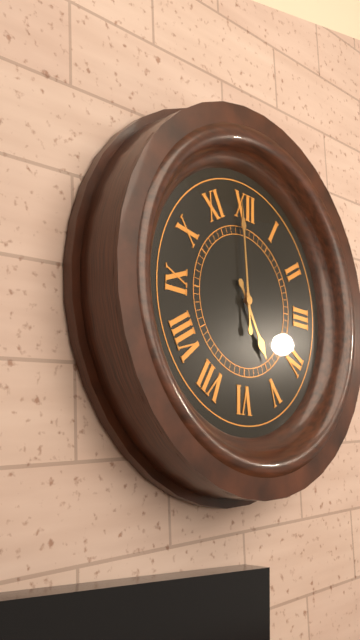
4:59
